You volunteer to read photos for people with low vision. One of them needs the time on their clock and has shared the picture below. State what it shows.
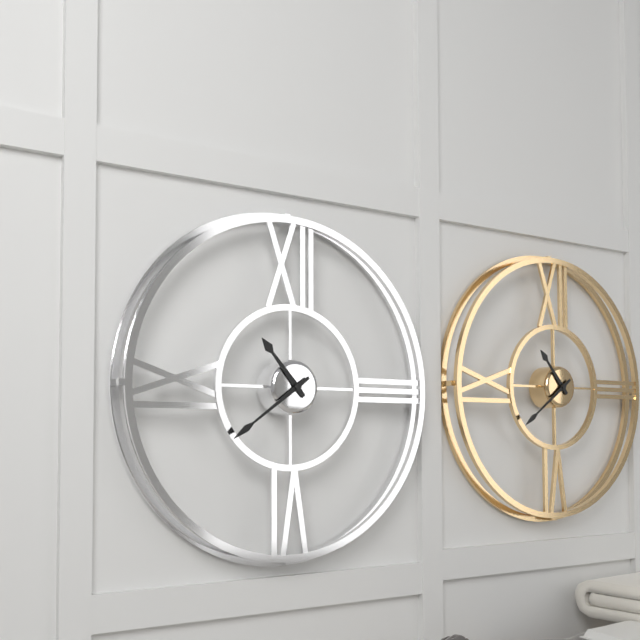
10:39
